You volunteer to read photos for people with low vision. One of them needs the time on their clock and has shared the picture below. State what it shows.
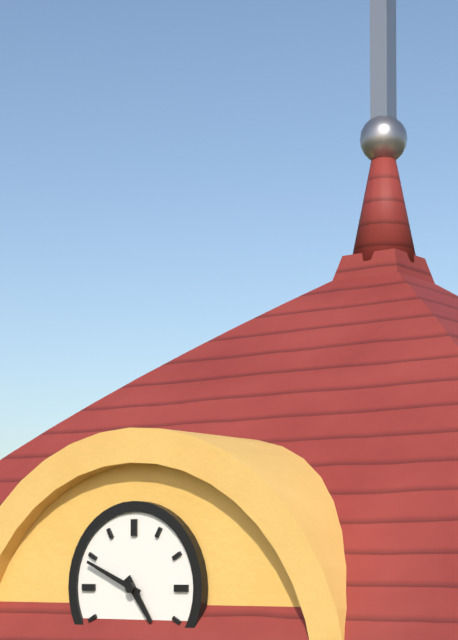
4:49
